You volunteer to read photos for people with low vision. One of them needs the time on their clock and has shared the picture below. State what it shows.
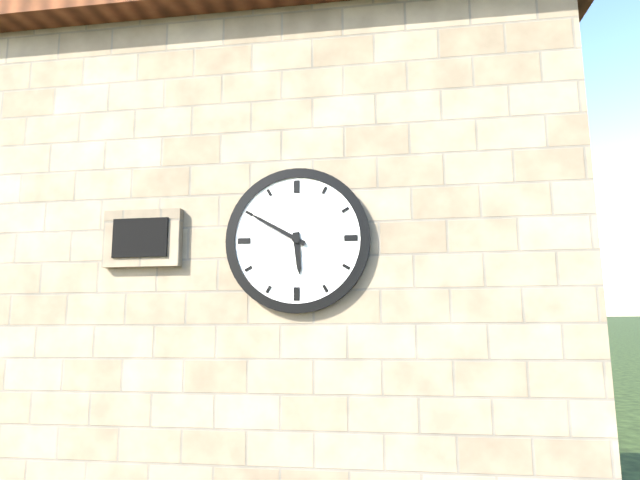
5:50
